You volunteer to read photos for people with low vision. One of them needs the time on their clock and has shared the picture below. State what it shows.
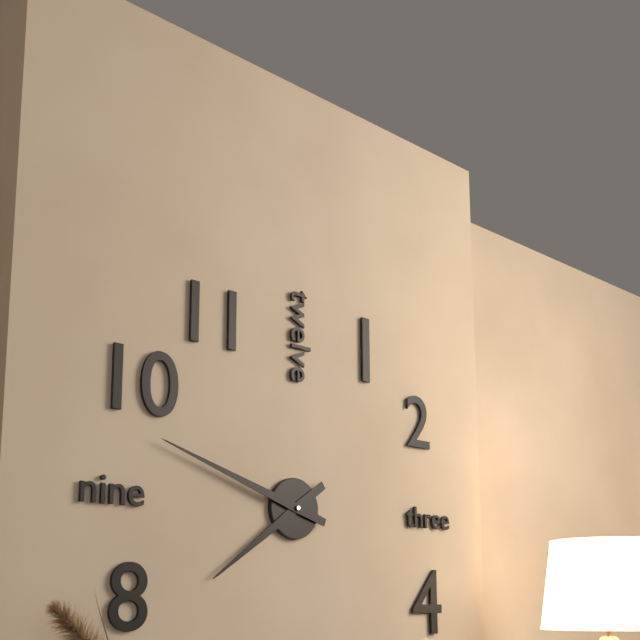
7:48
